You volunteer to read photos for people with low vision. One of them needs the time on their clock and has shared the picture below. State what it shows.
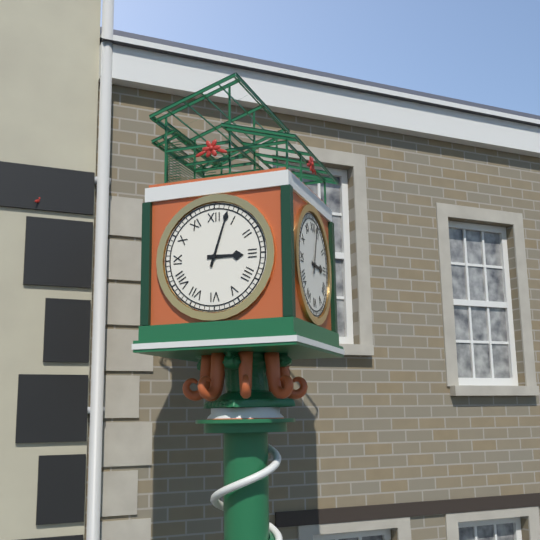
3:03
